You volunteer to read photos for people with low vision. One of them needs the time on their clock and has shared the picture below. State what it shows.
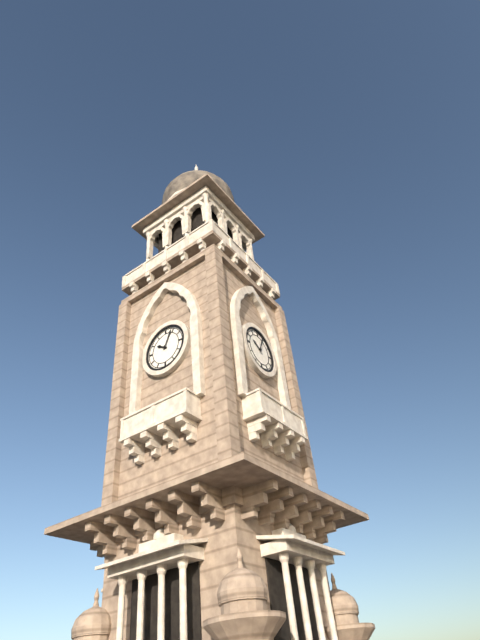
10:04
